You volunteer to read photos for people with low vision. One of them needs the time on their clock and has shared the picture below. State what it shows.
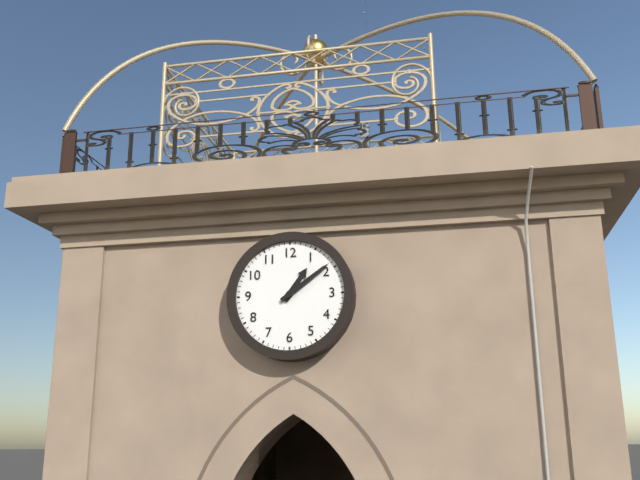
1:09
